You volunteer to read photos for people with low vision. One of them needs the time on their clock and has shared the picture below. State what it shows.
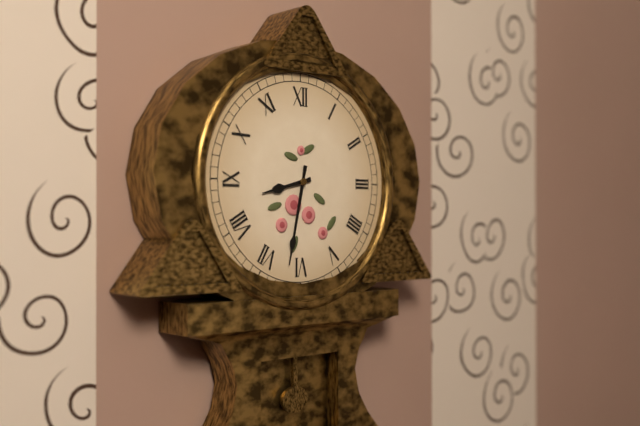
8:32
